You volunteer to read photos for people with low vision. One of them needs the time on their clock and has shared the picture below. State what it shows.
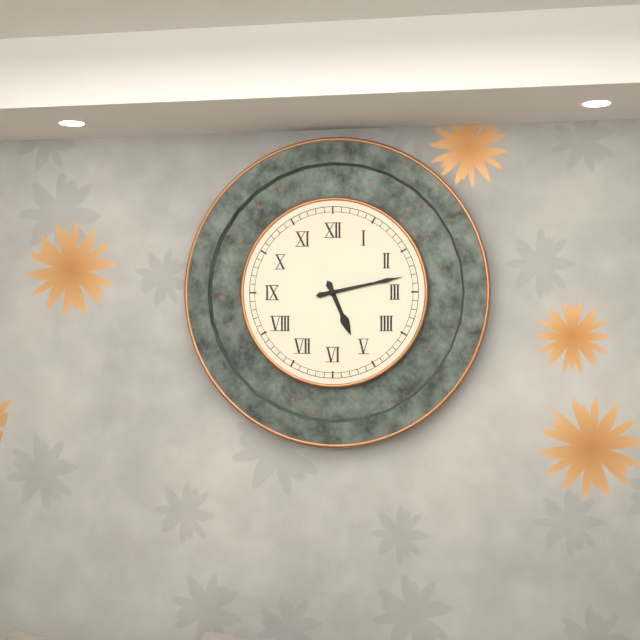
5:13
